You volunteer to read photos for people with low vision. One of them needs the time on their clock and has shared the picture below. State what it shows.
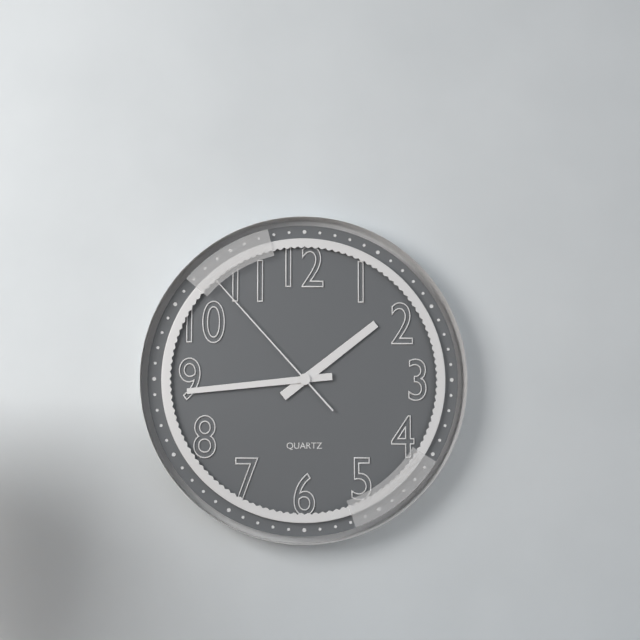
1:44:53
